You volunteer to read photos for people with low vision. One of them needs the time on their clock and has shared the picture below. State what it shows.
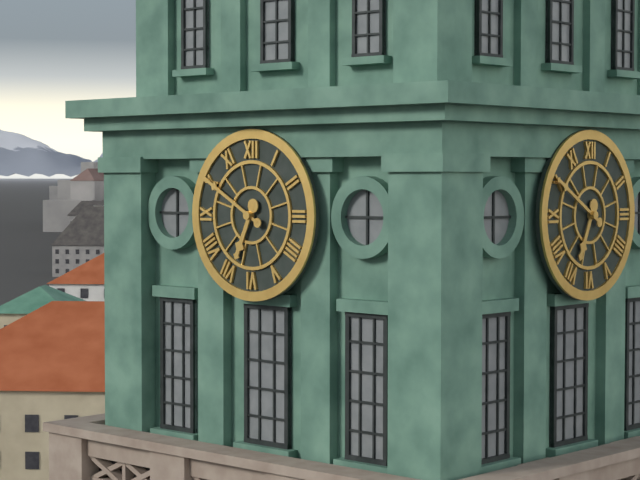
6:50
